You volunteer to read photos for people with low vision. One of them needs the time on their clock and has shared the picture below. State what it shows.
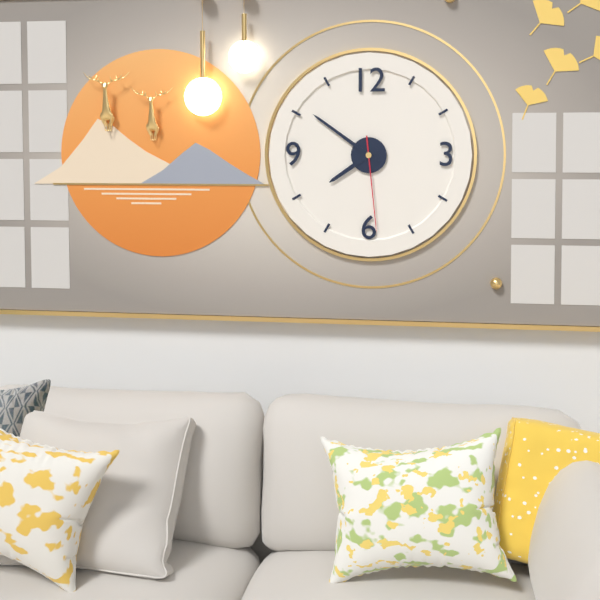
7:51:29
